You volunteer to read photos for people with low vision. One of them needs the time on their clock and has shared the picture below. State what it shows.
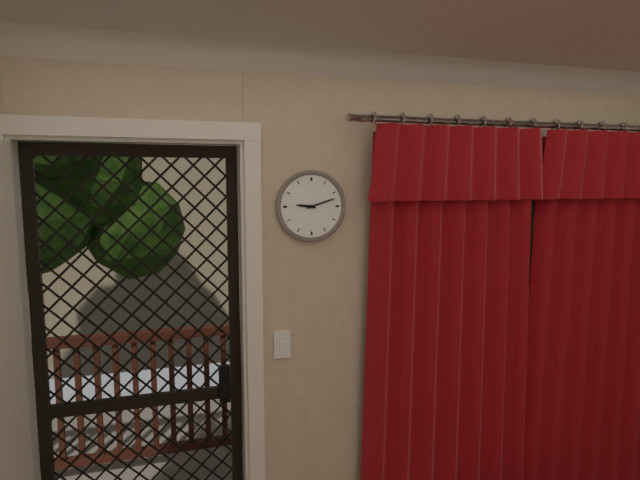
9:12
